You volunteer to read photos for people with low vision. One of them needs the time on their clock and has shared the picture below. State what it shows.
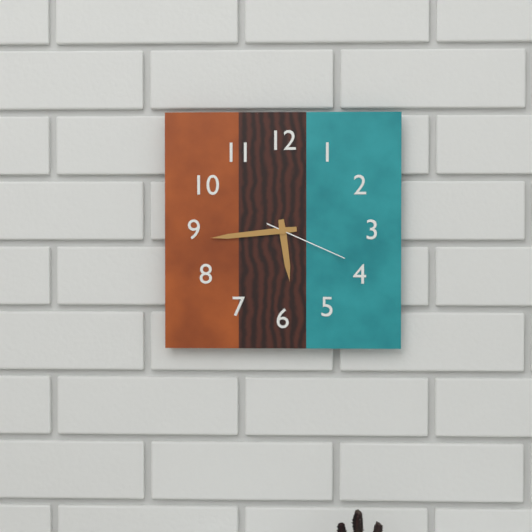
5:44:19
